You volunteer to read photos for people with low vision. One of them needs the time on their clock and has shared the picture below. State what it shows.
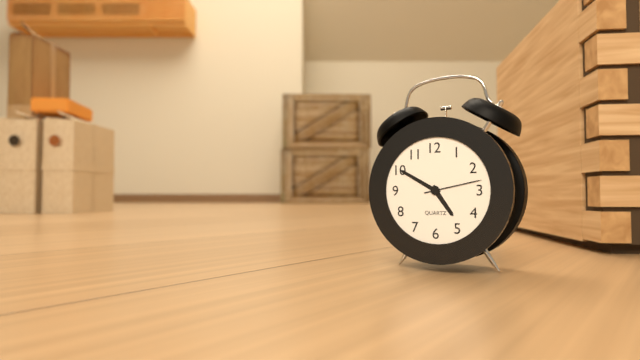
4:50:13
